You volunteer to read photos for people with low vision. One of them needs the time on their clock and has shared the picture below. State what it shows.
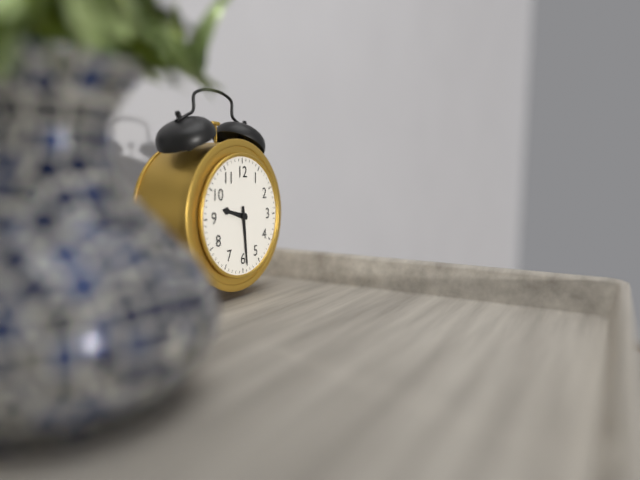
9:29
